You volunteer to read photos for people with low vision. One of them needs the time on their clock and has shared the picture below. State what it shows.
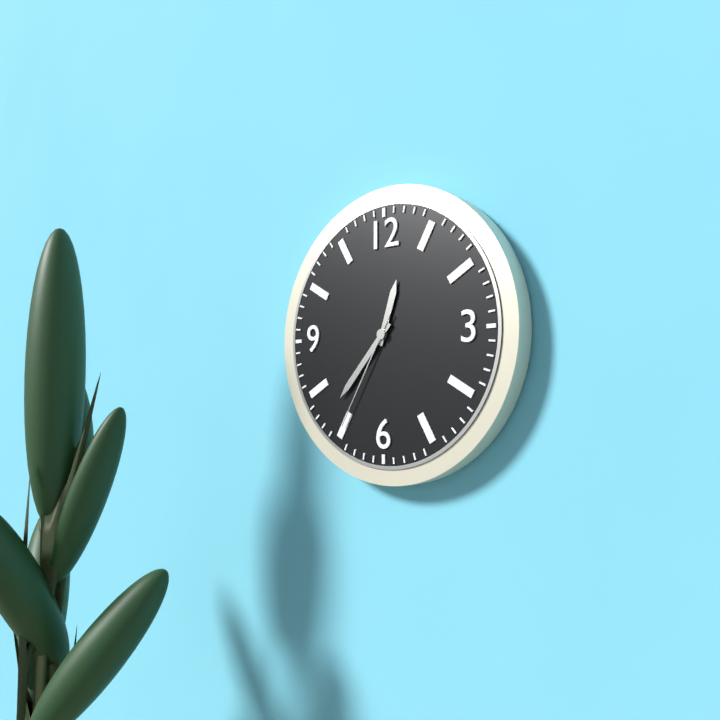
12:37:35
